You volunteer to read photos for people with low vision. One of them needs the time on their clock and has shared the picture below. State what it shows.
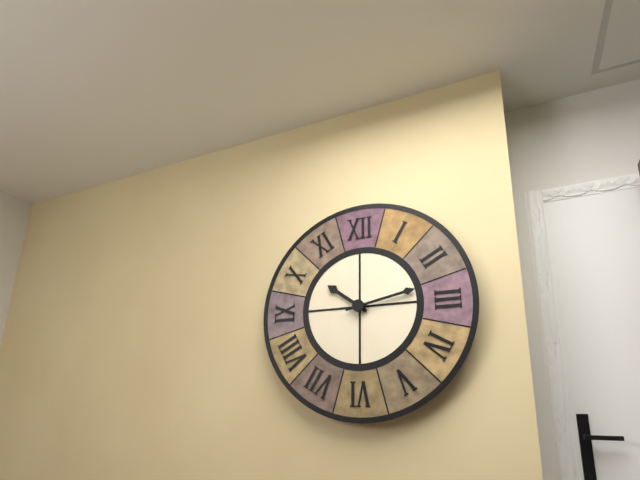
10:13
